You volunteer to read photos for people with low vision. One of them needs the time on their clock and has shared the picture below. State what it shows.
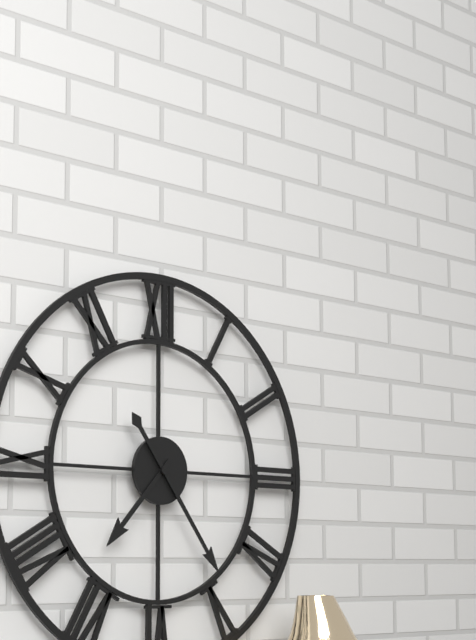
7:24
